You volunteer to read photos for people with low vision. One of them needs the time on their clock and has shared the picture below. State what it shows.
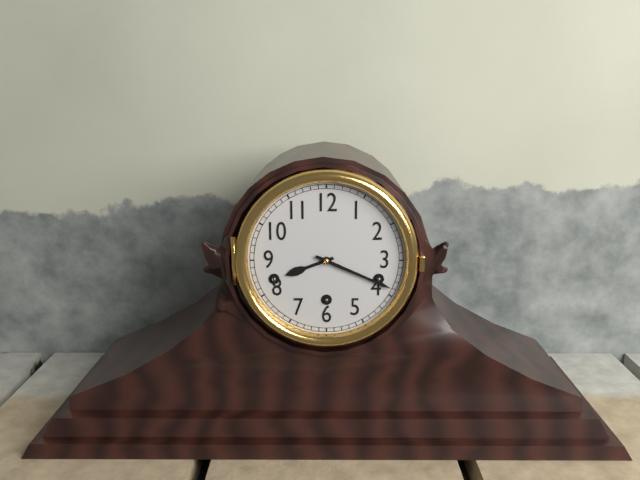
8:19
